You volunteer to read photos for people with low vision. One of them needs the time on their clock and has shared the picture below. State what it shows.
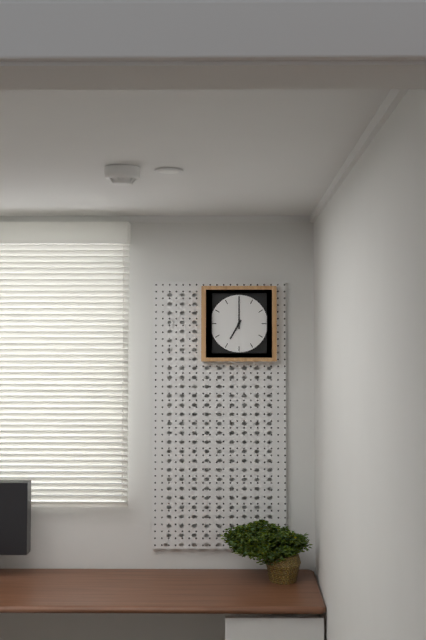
7:00
